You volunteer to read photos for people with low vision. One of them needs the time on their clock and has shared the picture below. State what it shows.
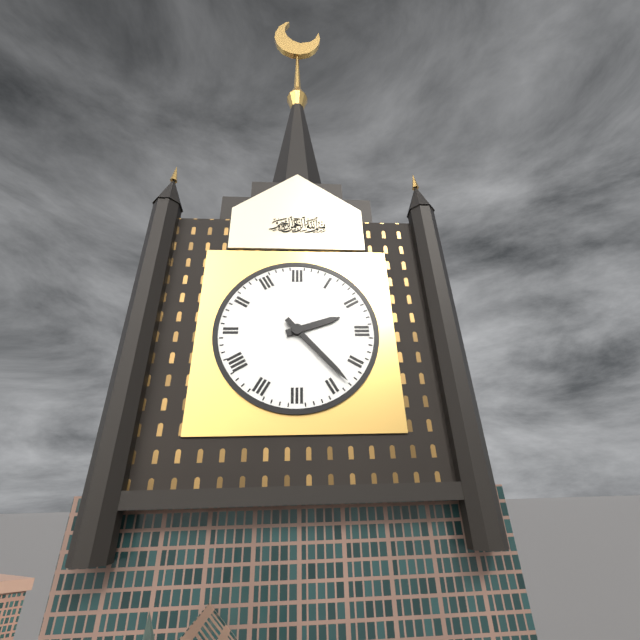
2:23
